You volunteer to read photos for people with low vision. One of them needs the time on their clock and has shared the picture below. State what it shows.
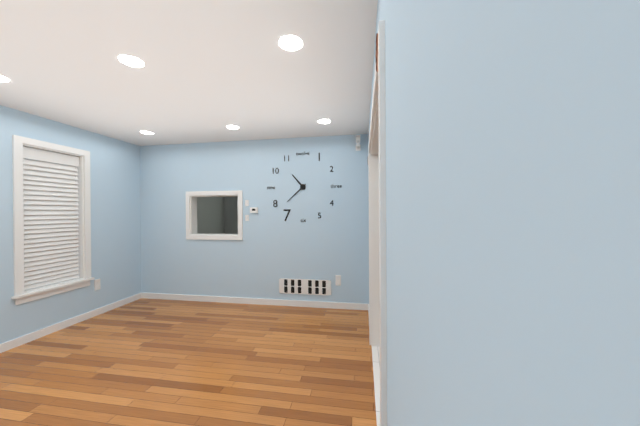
10:38
